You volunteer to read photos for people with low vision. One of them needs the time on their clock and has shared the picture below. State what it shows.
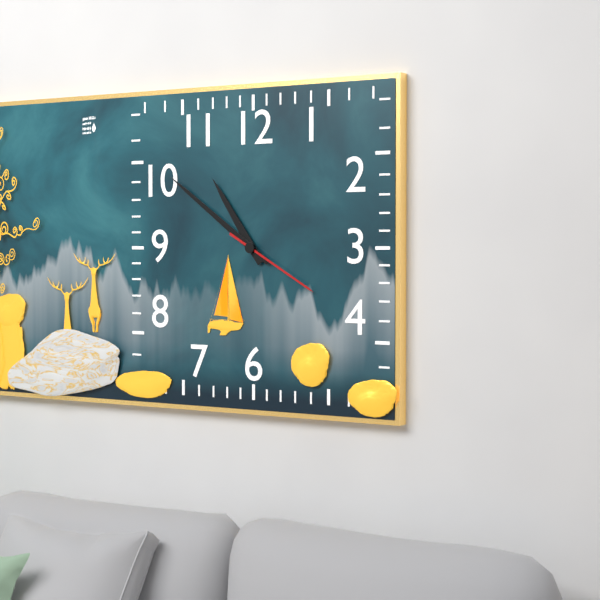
10:51:20
